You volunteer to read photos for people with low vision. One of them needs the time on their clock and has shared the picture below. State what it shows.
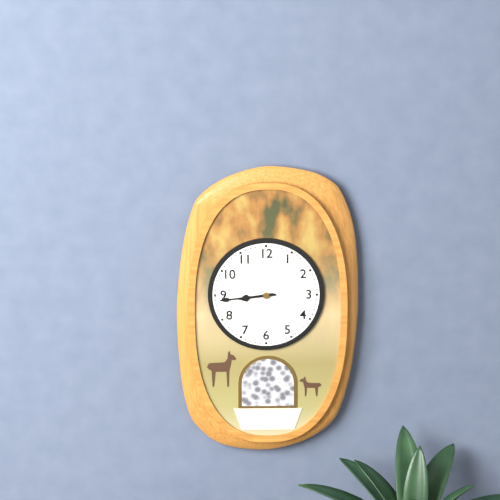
8:44
